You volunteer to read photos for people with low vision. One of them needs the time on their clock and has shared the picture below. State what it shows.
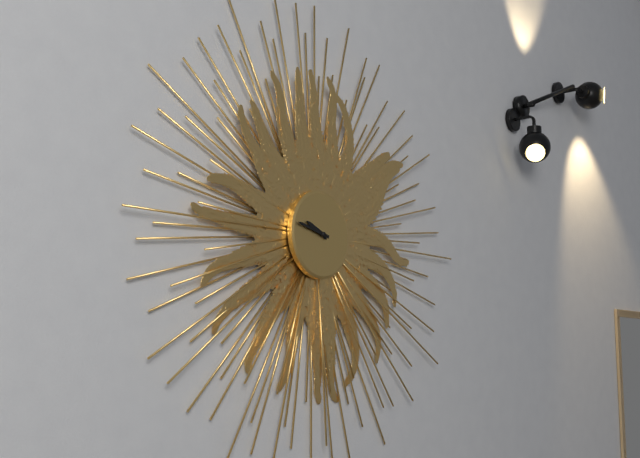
9:47
